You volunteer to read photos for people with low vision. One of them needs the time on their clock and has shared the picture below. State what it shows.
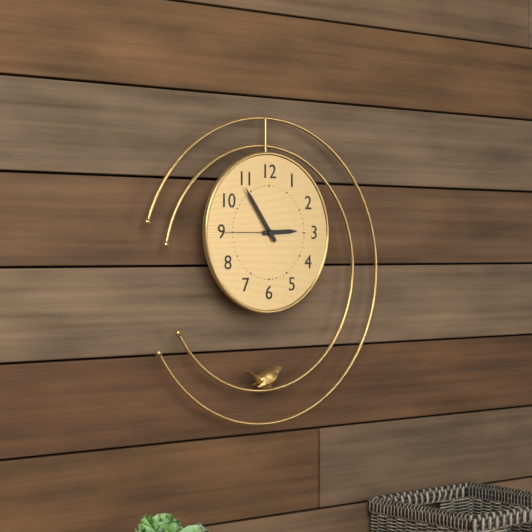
2:54:45
